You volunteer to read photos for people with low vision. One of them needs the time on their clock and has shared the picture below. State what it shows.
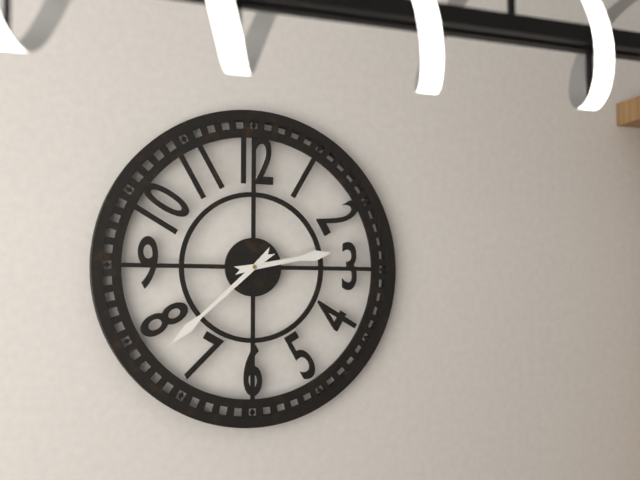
2:38
